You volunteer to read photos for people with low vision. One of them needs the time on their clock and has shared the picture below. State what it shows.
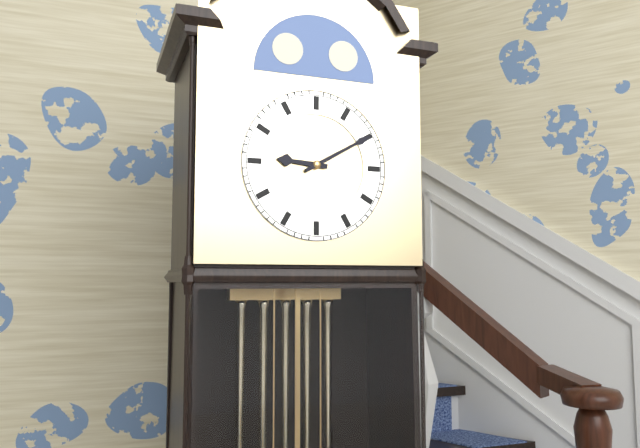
9:10
